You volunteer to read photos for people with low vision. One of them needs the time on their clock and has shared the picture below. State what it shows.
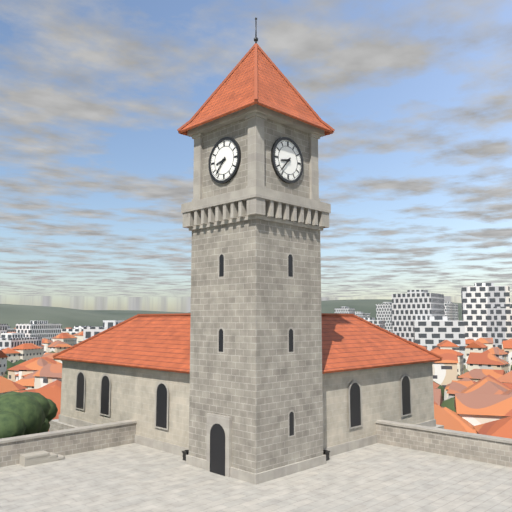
8:37
